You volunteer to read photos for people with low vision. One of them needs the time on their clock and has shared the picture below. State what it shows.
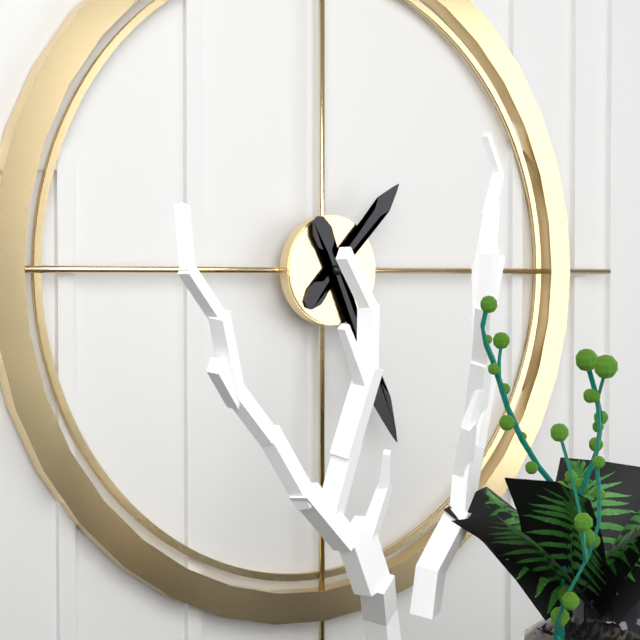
1:26
